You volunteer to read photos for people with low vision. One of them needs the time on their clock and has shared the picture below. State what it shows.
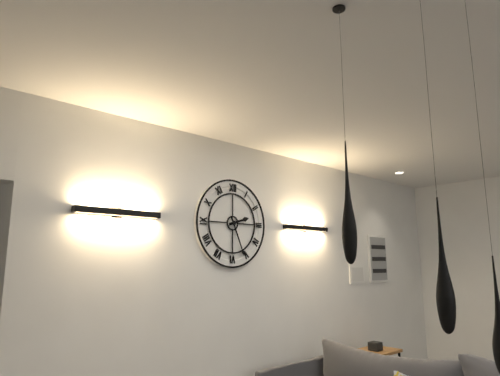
2:26
